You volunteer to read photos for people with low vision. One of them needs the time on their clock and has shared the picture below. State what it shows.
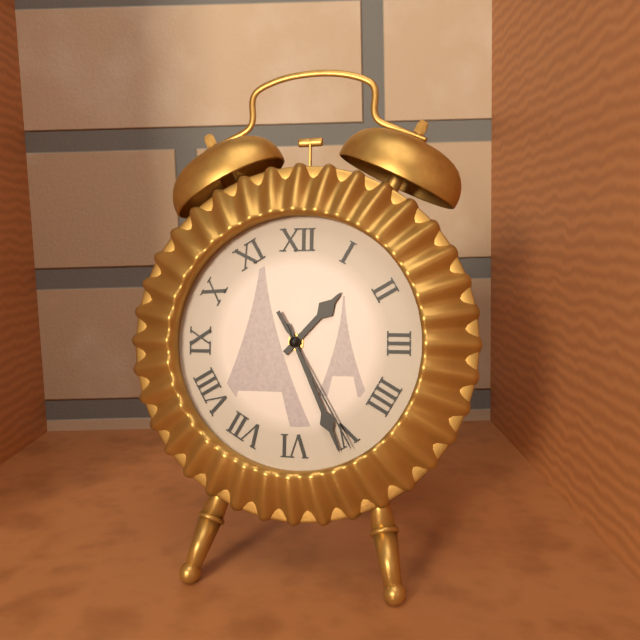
1:26:25
